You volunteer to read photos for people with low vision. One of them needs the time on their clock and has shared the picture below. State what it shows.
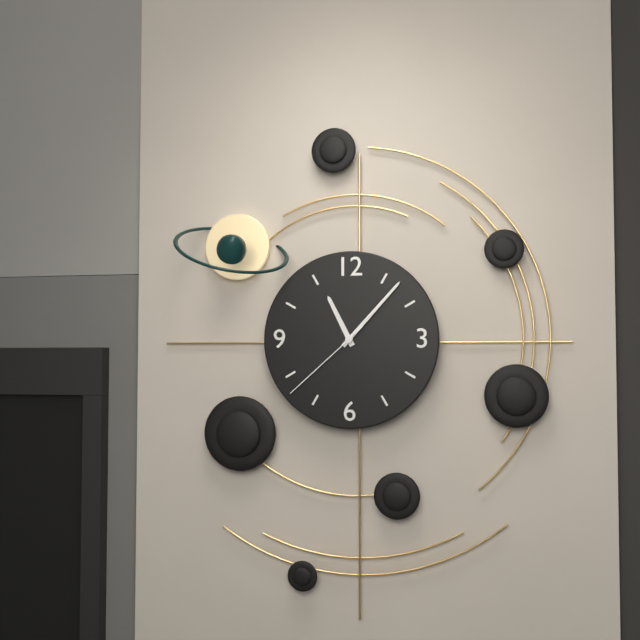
11:07:38
